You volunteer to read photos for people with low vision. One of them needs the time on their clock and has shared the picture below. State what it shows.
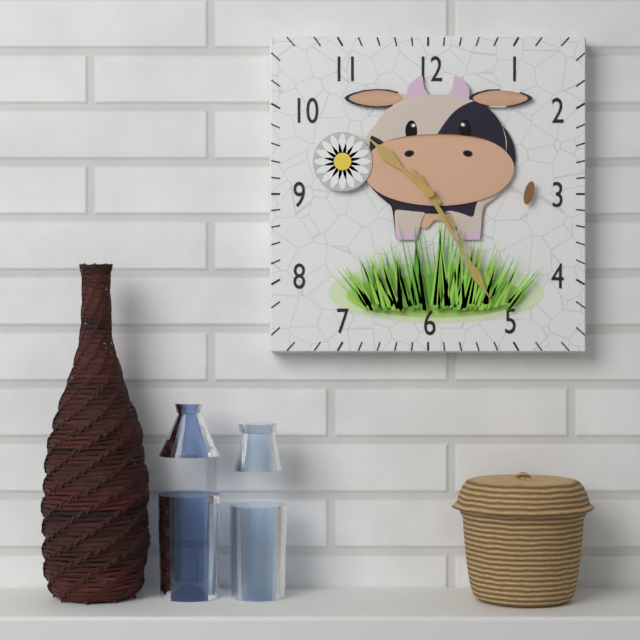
10:25:24
